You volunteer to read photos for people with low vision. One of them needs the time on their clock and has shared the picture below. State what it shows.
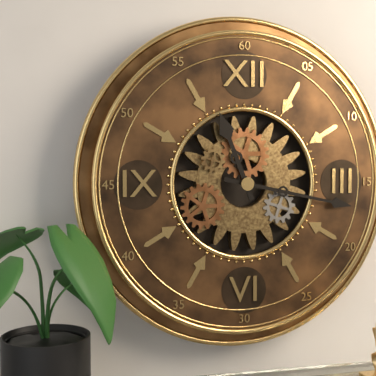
11:17
